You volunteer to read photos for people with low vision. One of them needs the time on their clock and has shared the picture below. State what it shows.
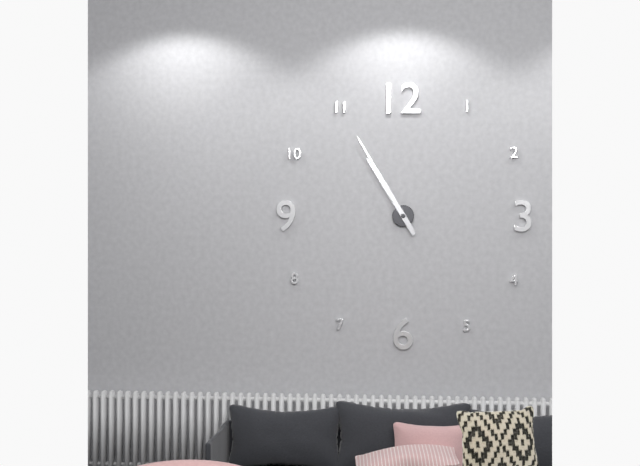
10:55
